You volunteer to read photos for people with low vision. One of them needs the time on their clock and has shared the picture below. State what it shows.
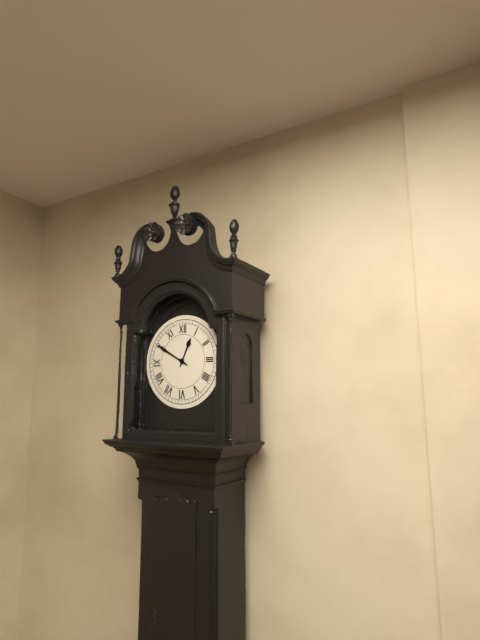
12:50
